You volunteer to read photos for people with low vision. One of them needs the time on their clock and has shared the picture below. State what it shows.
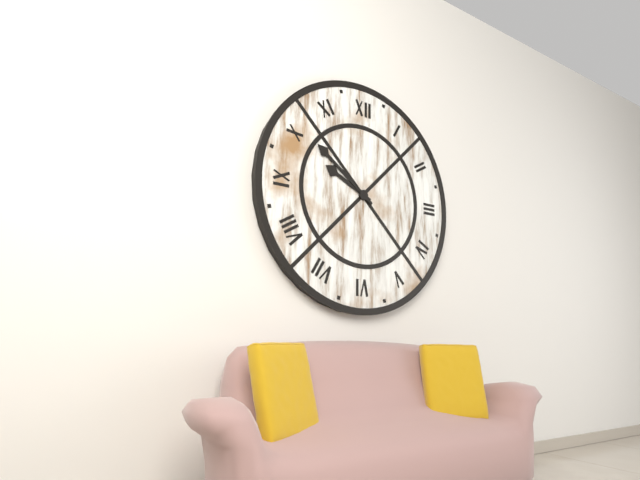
9:51
